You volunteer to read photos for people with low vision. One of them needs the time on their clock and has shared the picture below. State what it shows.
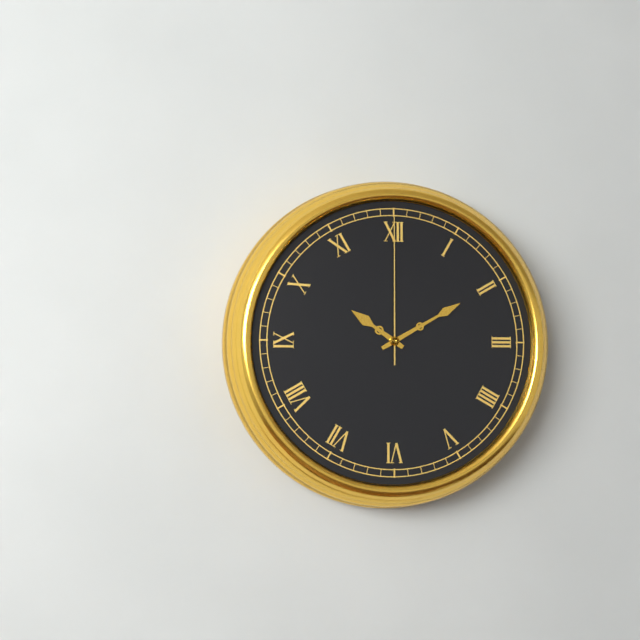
10:10:00
